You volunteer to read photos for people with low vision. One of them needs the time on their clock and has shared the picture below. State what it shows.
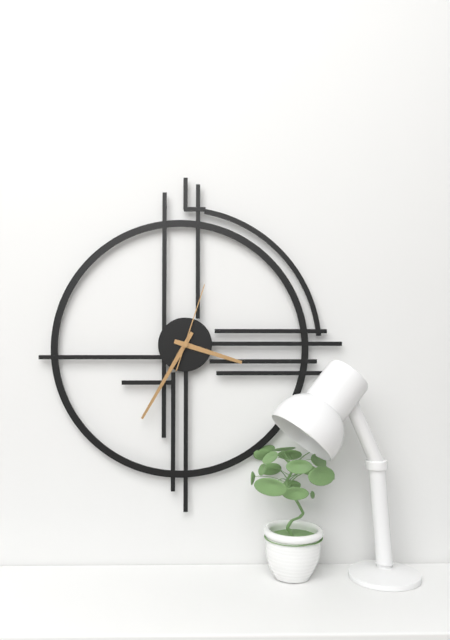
3:35:03
